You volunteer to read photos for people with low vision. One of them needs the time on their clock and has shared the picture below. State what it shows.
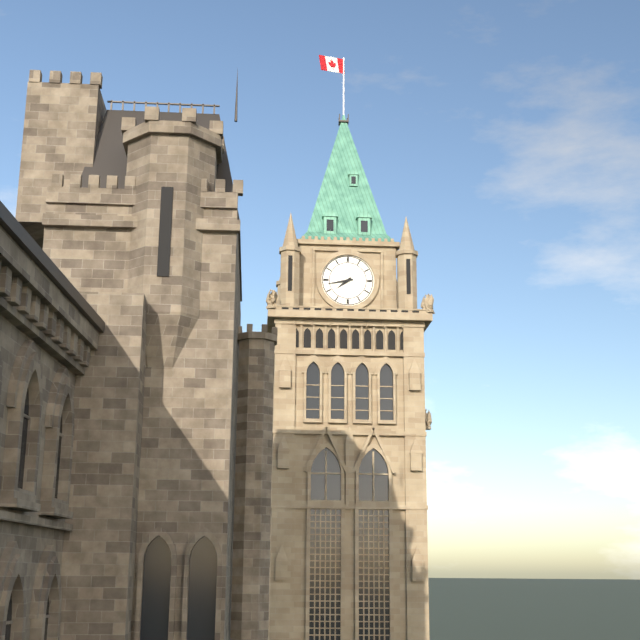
7:43
